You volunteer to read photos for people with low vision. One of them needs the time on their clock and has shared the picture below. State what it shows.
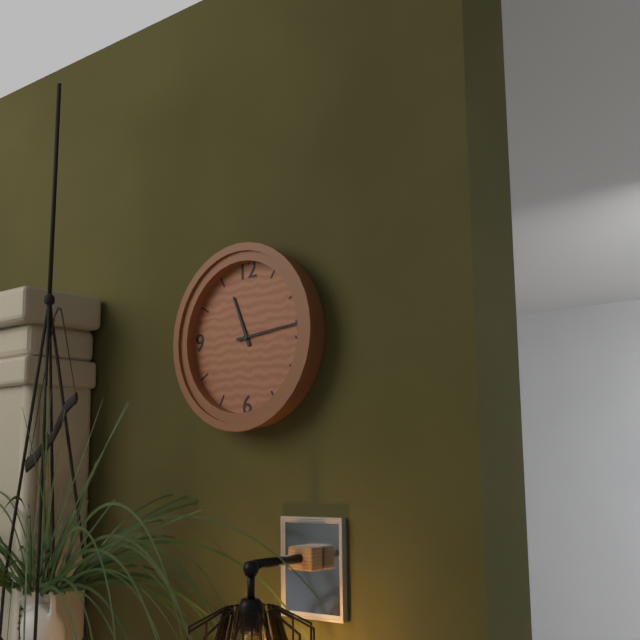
11:14
